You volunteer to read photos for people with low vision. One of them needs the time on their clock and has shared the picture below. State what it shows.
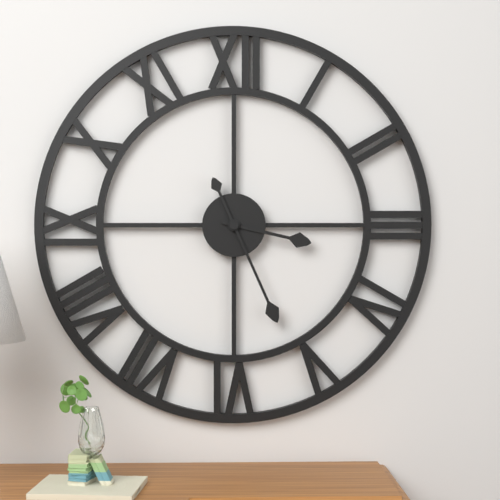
3:26
